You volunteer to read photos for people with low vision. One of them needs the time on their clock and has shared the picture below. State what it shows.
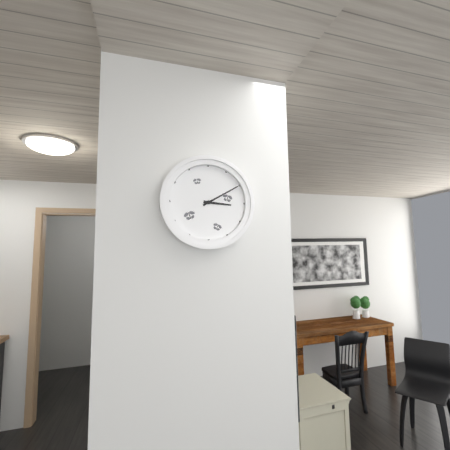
3:10
